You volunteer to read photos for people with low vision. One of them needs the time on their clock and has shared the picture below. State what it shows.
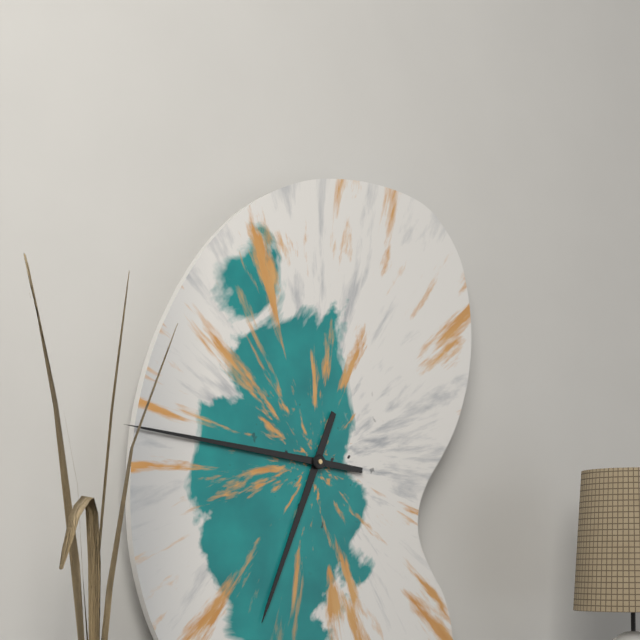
6:46
